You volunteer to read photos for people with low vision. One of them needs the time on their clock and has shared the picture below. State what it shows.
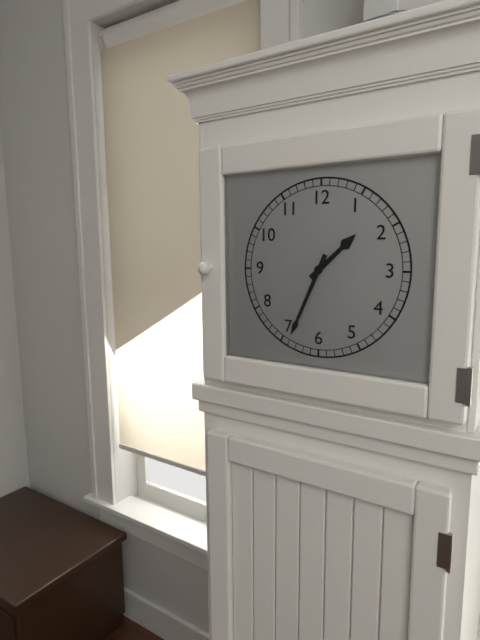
1:34
